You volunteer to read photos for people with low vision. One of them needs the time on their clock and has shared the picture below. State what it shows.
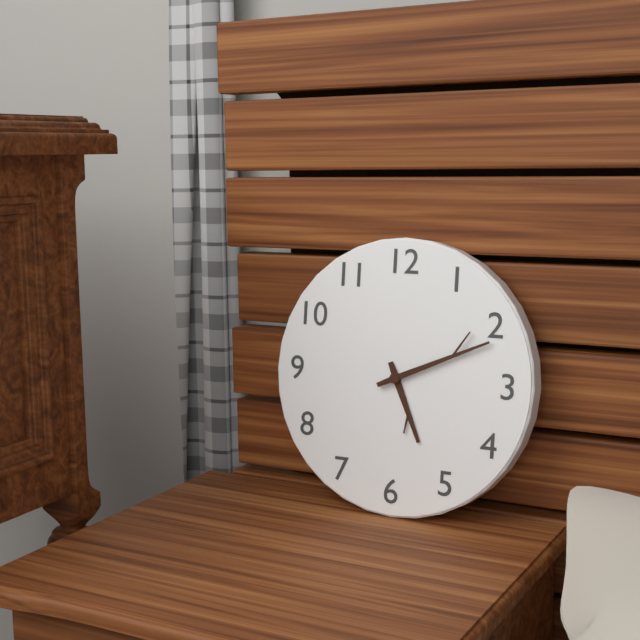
5:11
